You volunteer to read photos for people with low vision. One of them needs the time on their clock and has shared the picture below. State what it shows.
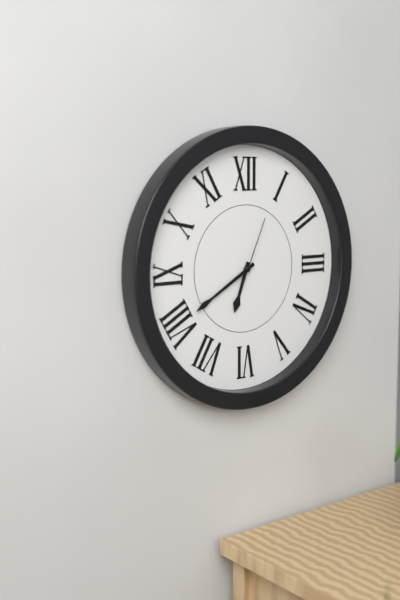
6:40:04
